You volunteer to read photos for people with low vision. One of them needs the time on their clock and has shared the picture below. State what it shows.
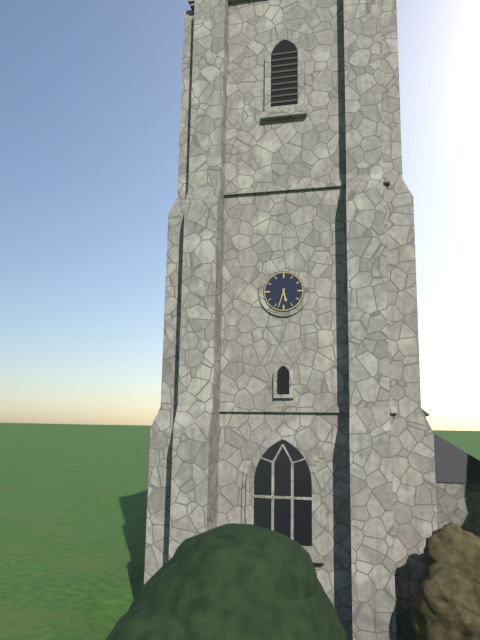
5:33
